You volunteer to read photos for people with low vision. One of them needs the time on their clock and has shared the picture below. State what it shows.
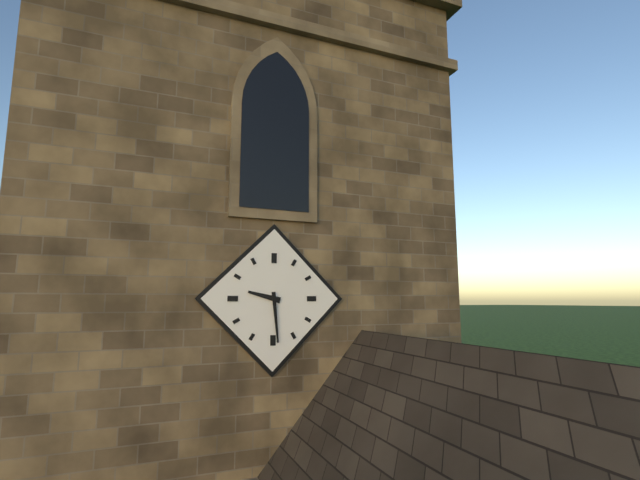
9:29
